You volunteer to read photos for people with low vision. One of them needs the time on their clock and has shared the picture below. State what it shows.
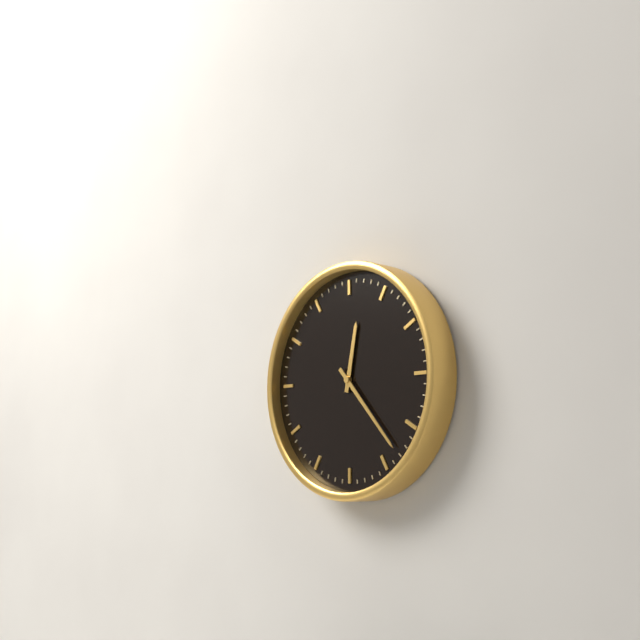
12:23
